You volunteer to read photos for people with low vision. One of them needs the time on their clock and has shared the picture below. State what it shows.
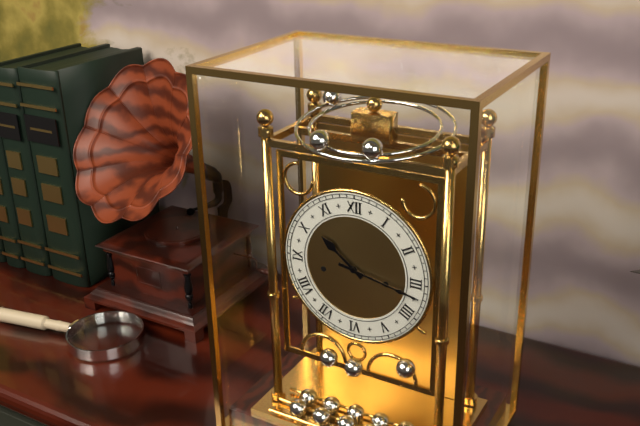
10:17
